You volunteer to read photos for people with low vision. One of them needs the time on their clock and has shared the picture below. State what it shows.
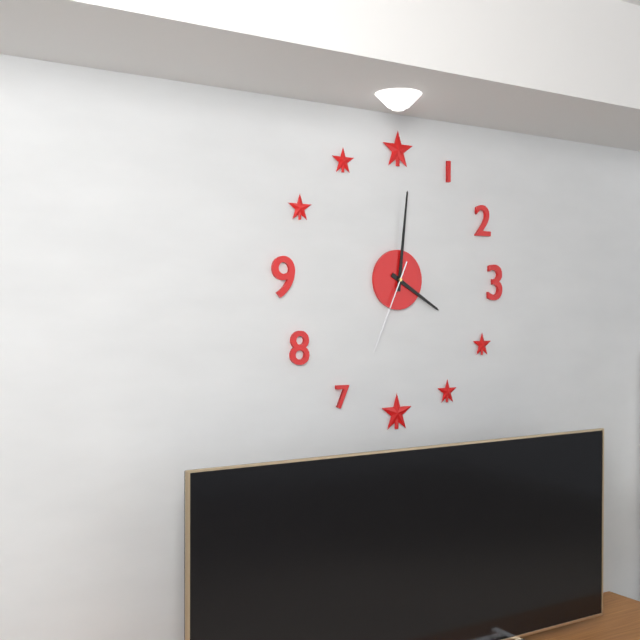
4:01:34
